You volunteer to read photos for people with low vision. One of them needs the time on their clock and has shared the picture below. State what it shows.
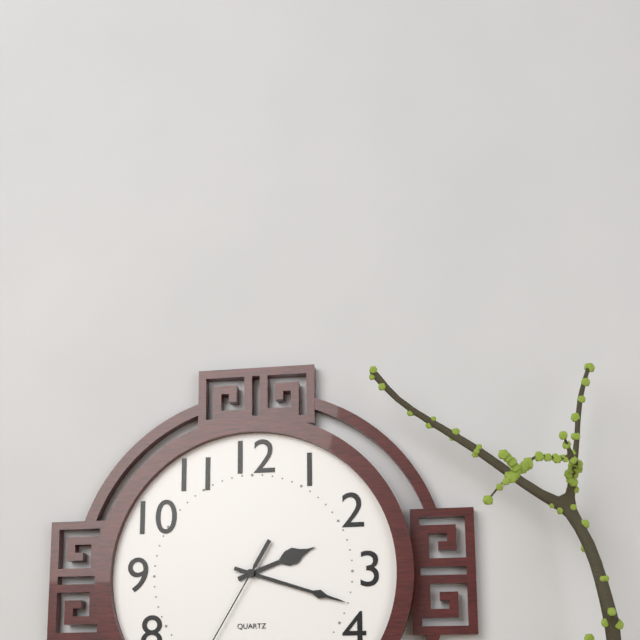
2:18
